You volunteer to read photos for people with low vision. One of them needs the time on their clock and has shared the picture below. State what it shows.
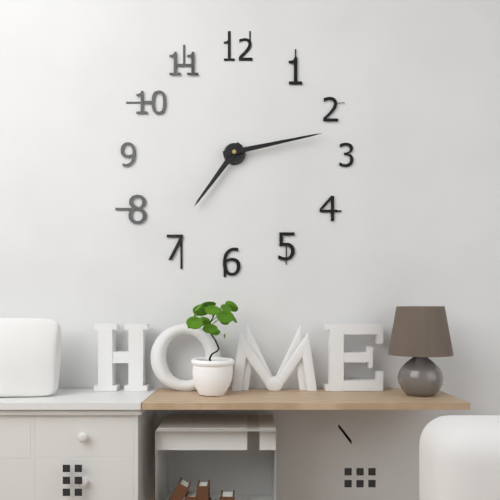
7:13
